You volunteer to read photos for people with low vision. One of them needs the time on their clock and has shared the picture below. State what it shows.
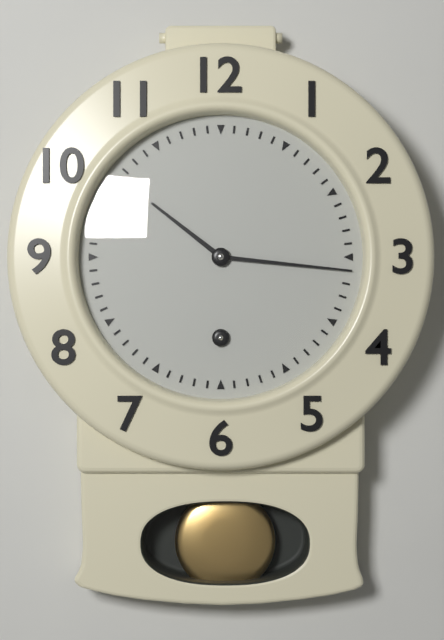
10:16
